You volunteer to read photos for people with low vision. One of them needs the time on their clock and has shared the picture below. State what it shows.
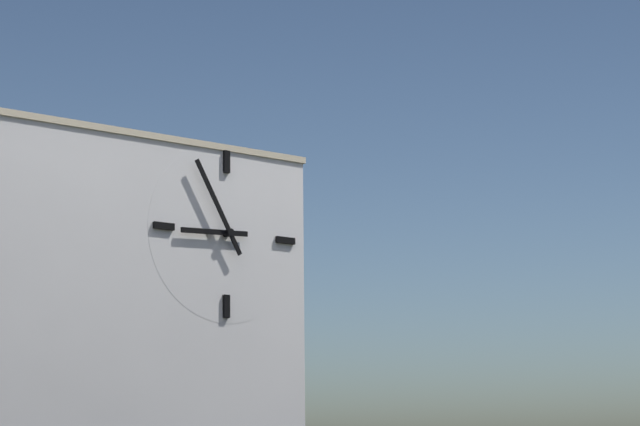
8:55
